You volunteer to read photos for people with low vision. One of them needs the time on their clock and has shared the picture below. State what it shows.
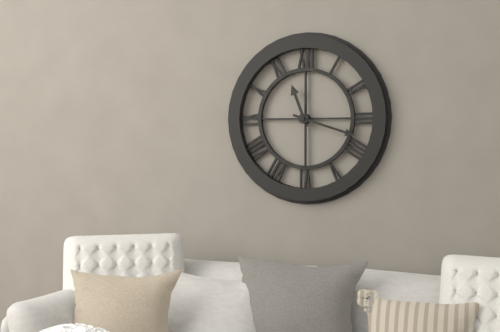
11:18
